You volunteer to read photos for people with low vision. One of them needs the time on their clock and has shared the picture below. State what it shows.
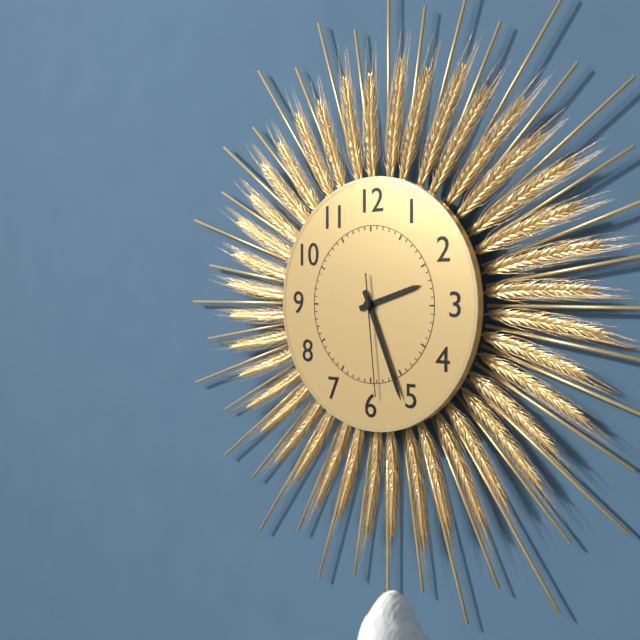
2:26:29
